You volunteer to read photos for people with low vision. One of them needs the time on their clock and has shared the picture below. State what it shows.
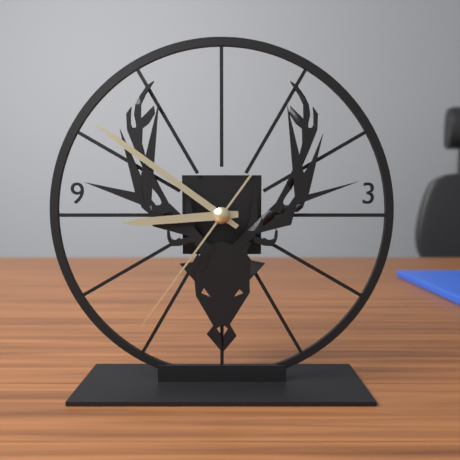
8:51:36
